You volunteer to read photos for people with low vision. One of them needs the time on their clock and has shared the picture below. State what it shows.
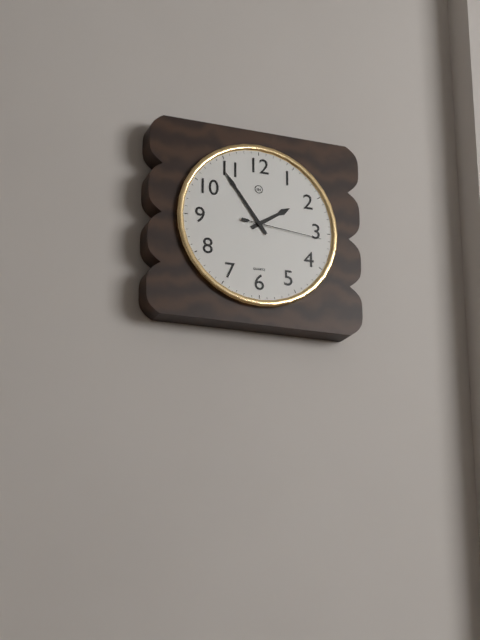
1:54:16
